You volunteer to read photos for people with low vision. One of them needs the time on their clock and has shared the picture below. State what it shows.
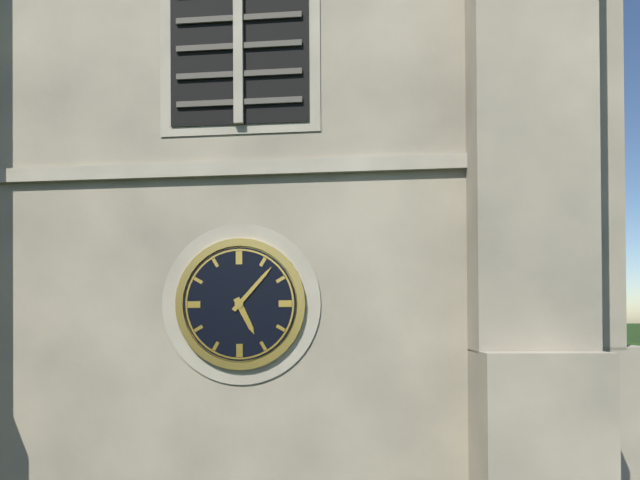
5:07
